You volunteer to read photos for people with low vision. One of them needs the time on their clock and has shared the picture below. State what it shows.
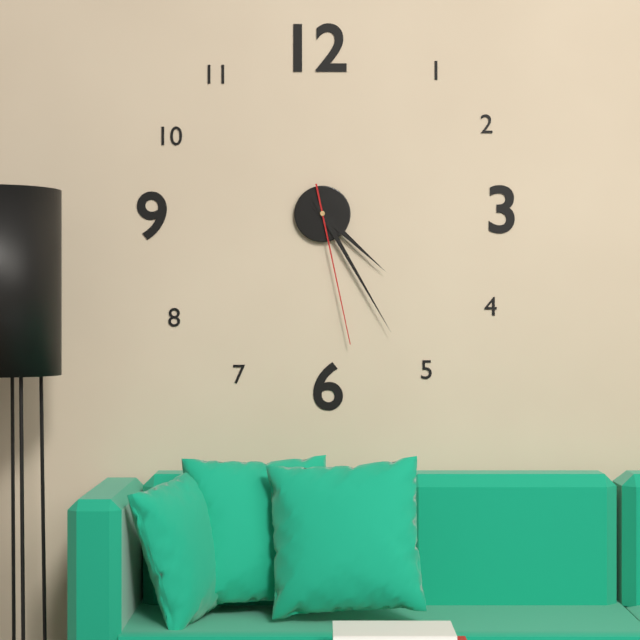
4:25:28
